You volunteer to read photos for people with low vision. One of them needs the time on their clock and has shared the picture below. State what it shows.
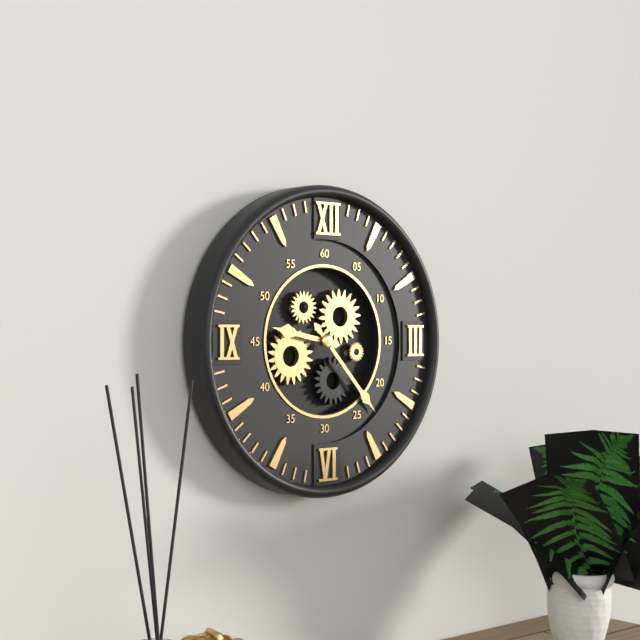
9:23
